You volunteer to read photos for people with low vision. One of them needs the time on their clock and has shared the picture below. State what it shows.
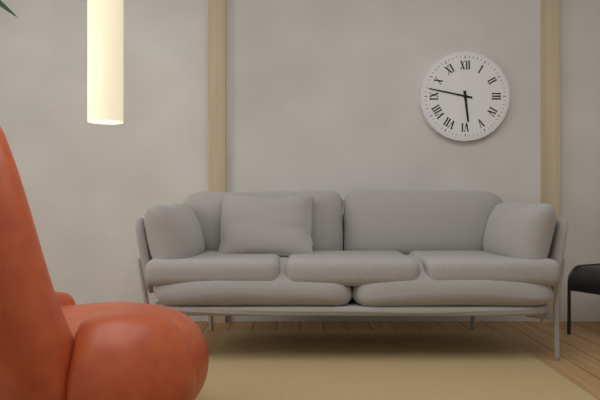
5:47
